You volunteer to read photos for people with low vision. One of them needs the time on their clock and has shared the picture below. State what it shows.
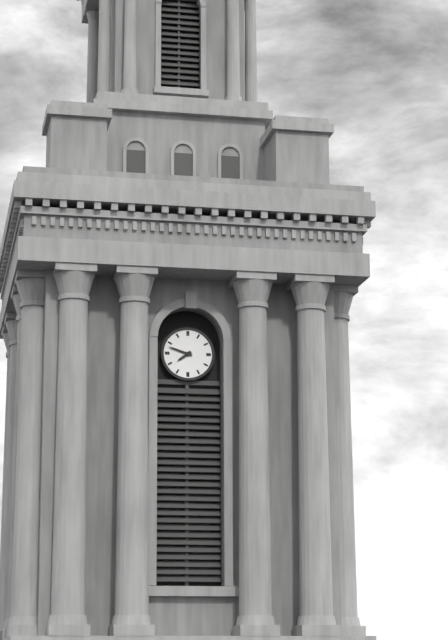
7:48
